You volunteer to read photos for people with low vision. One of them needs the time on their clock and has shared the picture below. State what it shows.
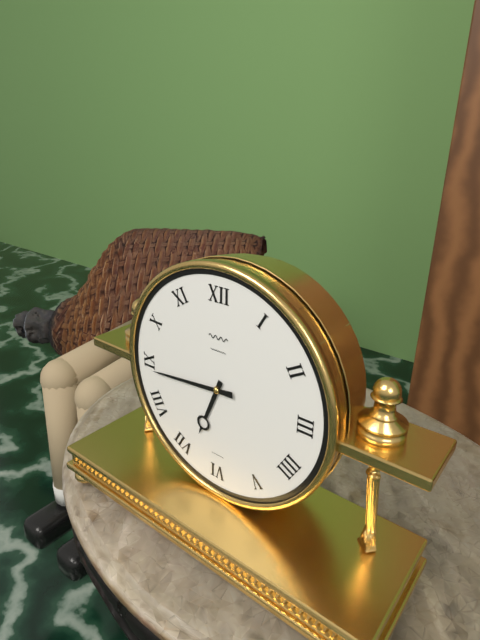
6:44
